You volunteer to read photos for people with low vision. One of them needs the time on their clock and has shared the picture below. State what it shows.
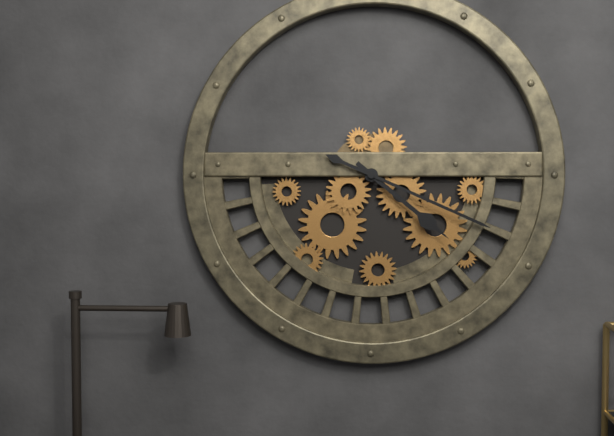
4:19
